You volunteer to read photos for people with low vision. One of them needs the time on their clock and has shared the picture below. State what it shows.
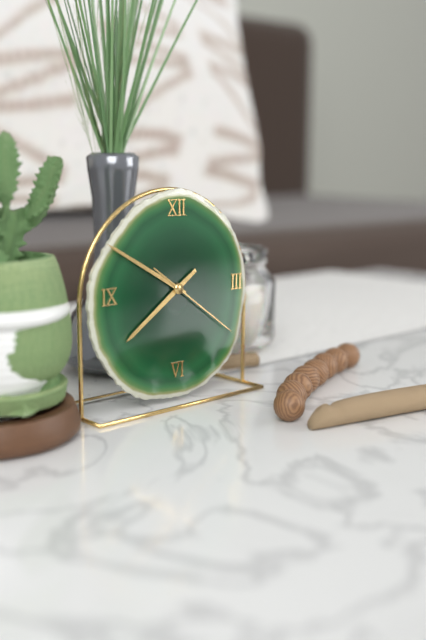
7:50:21
